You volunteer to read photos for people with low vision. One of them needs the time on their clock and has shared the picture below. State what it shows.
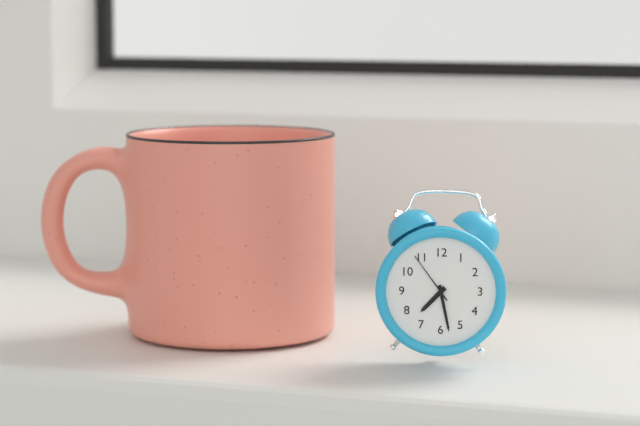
7:28:54
